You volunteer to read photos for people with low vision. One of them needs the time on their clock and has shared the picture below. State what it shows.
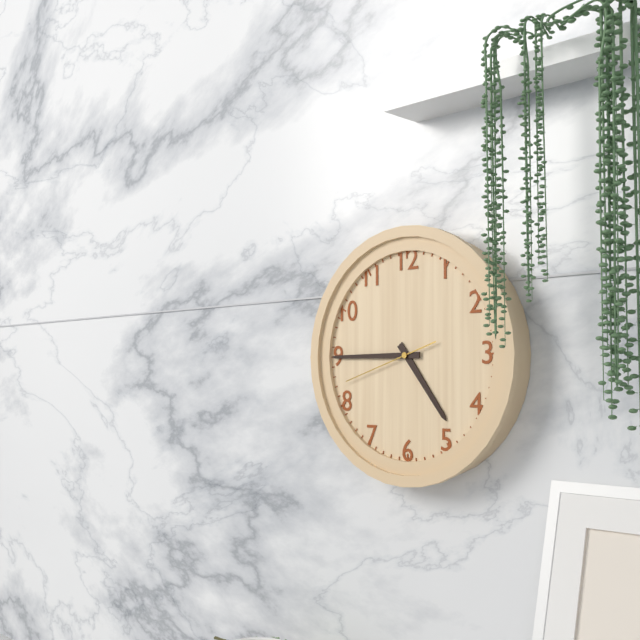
4:45:42
